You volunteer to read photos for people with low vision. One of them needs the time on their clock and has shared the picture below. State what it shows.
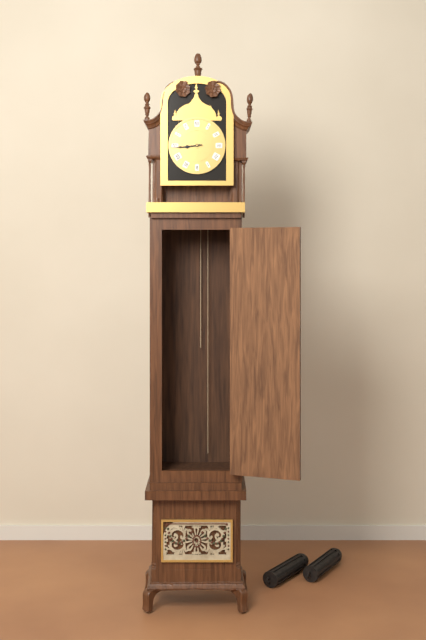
8:44
